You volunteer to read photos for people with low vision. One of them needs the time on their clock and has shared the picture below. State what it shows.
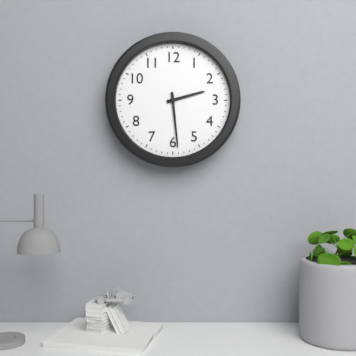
2:29
